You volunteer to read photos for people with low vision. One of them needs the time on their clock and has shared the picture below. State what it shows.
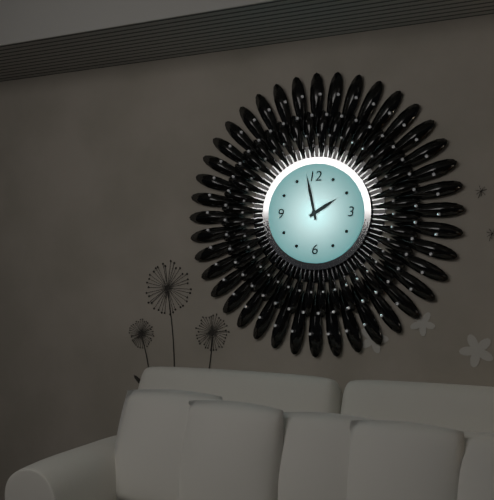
1:58
